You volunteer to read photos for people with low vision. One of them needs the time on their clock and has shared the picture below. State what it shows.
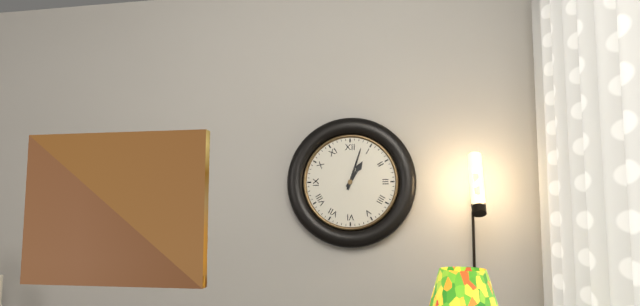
1:03
